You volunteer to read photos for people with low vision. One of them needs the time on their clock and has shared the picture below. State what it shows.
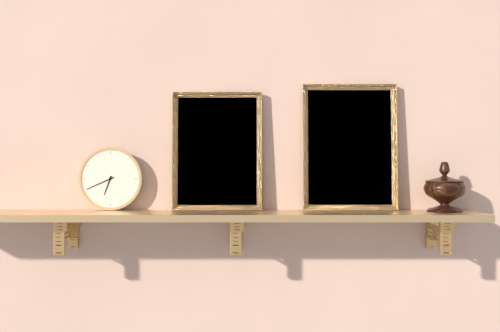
6:41
